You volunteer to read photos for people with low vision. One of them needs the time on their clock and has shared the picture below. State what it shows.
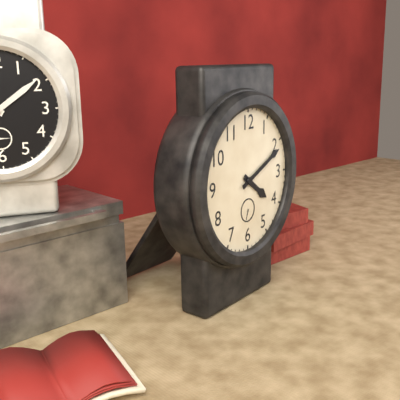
4:11
